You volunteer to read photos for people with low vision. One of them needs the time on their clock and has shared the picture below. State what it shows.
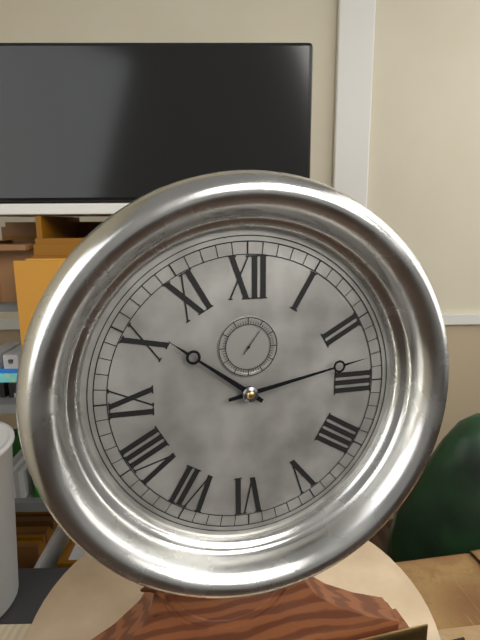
10:13
